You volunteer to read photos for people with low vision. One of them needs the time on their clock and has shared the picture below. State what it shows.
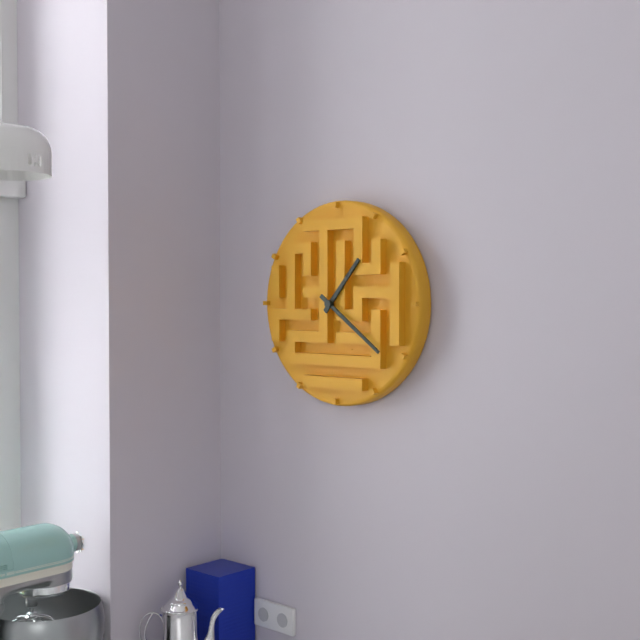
1:21
